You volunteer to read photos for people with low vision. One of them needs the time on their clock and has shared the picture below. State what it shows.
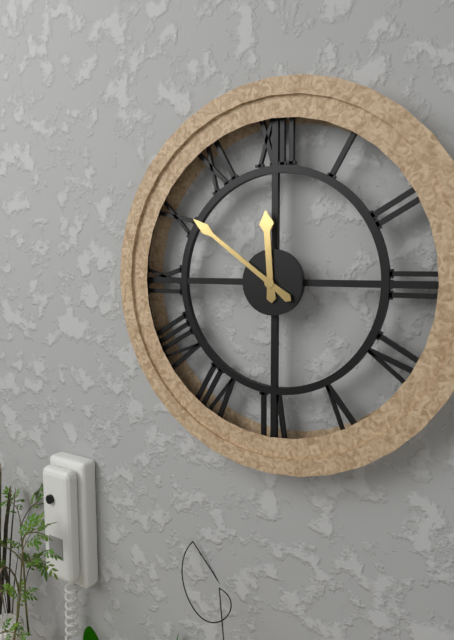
11:51
